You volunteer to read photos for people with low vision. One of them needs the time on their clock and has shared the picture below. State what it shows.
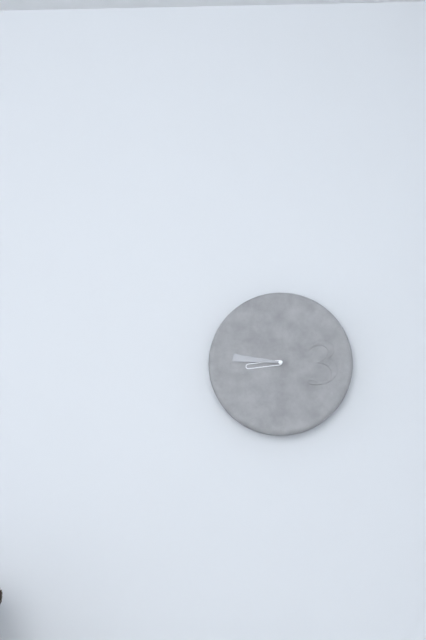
8:46
